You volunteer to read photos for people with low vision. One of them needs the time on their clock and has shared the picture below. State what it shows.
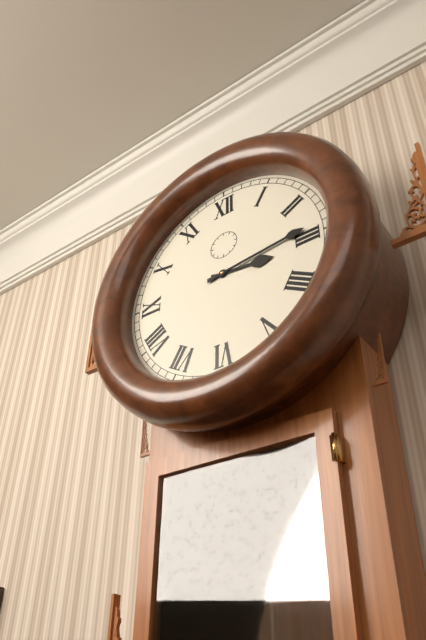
3:14
